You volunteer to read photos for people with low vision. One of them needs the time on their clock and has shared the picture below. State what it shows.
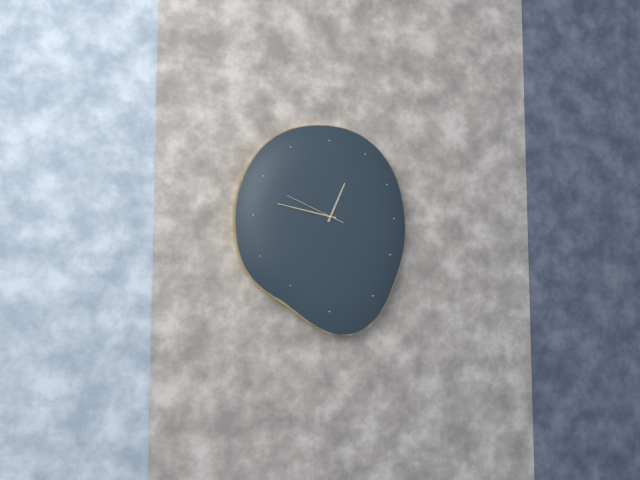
12:47:49
